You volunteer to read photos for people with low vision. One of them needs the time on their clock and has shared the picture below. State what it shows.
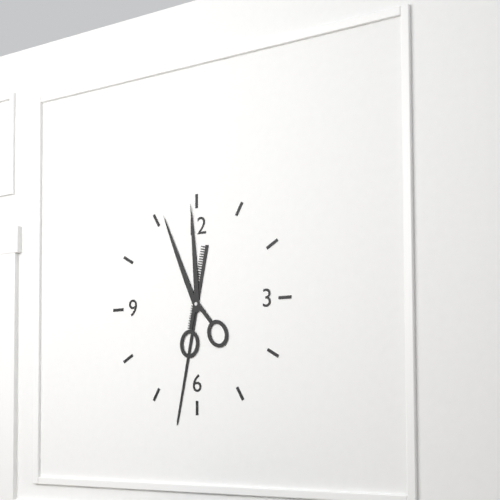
11:32
